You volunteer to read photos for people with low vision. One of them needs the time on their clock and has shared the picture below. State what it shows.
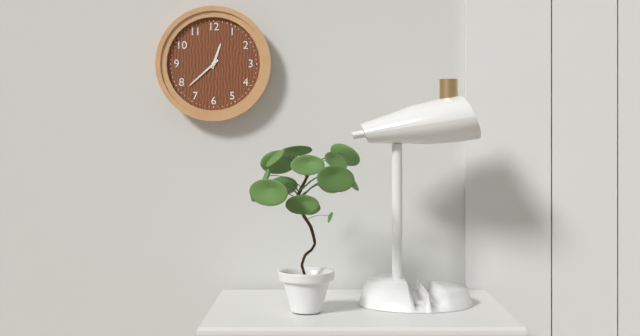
12:38
